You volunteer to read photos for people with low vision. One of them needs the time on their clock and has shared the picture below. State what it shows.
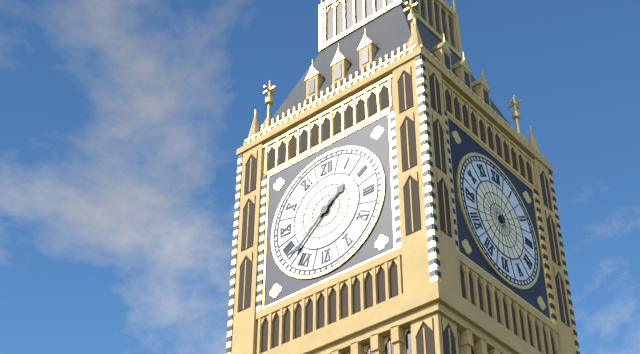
1:38
